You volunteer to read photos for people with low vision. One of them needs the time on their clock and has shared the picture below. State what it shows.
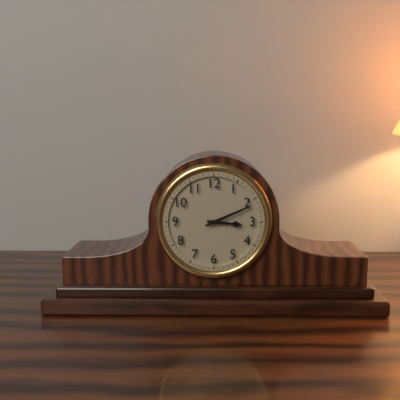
3:11
